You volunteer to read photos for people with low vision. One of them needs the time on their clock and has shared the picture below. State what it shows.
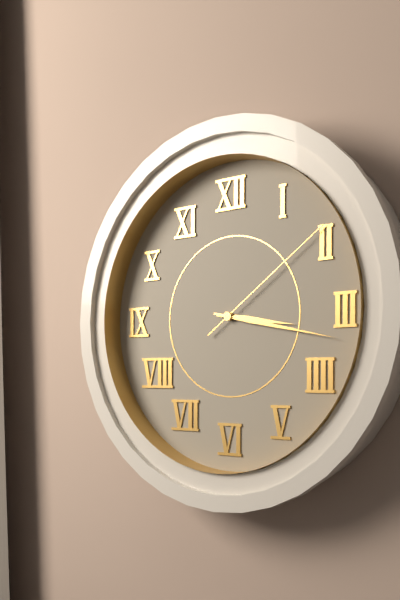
3:17:09
